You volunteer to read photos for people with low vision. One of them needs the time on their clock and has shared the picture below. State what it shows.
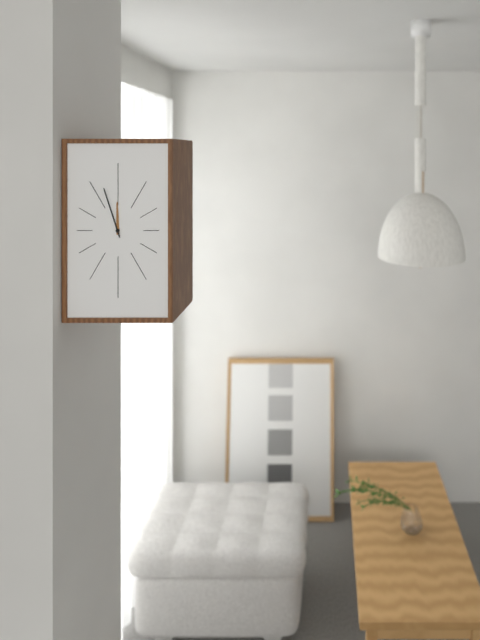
11:57
